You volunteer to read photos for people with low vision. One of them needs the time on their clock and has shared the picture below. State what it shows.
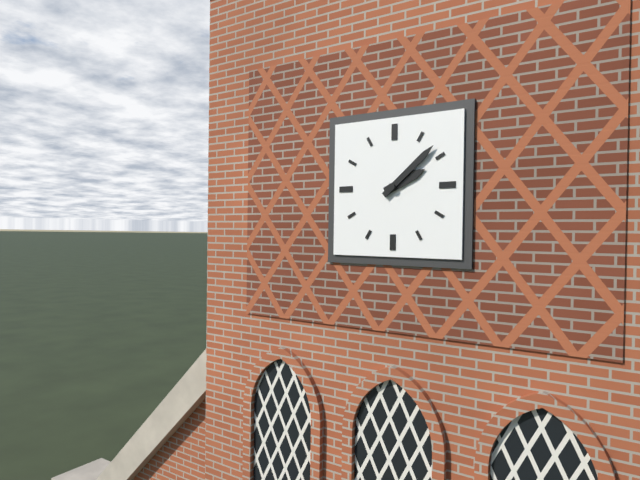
2:08
